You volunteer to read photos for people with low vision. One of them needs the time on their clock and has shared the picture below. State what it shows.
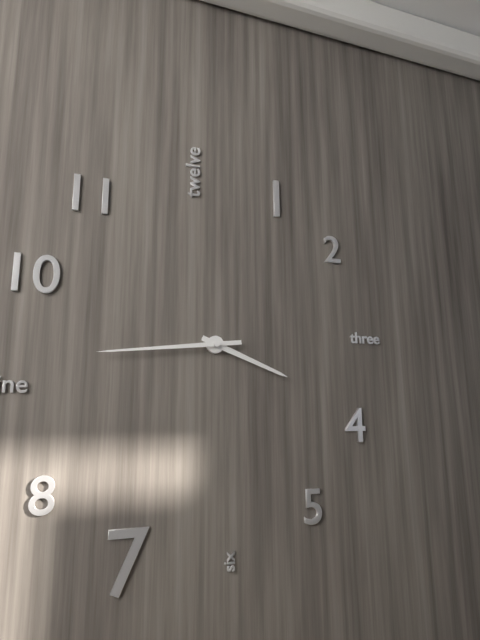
3:44
